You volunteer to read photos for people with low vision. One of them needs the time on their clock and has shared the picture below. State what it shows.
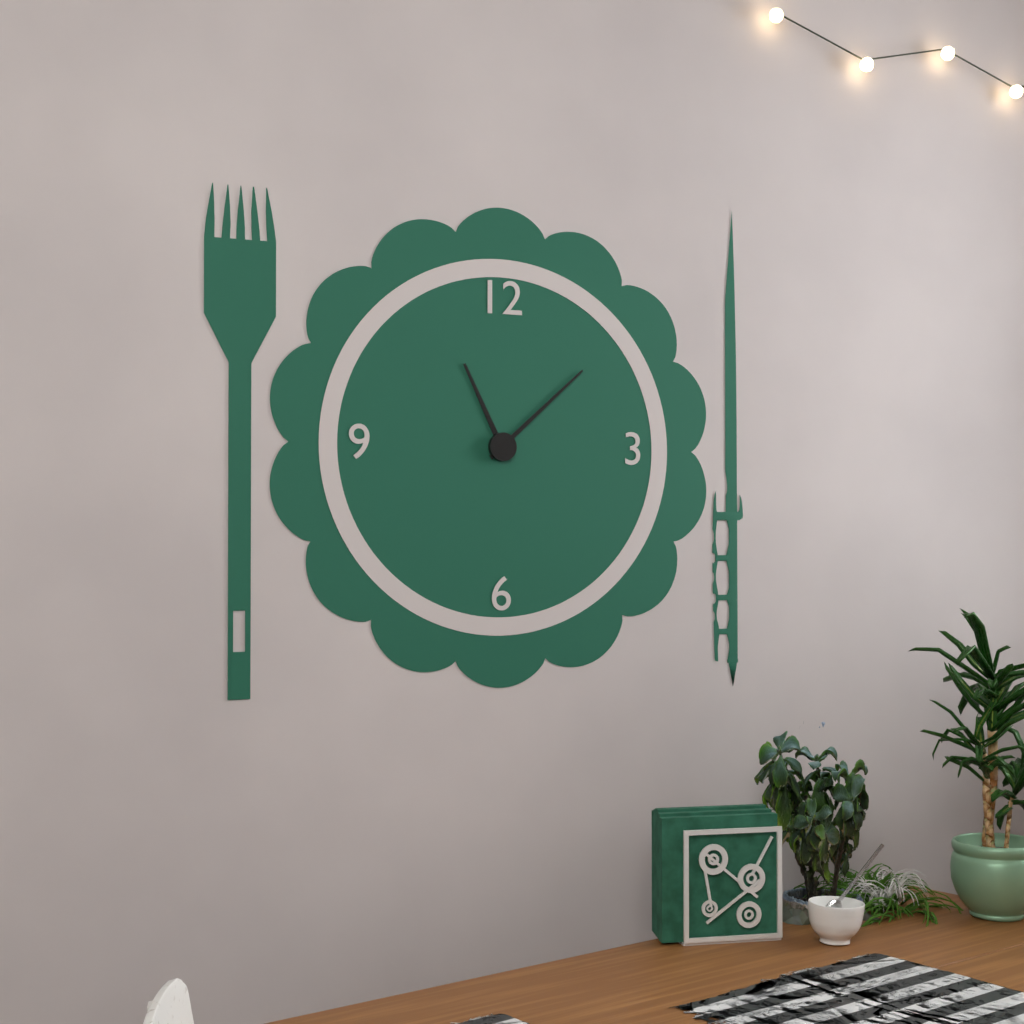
11:08
